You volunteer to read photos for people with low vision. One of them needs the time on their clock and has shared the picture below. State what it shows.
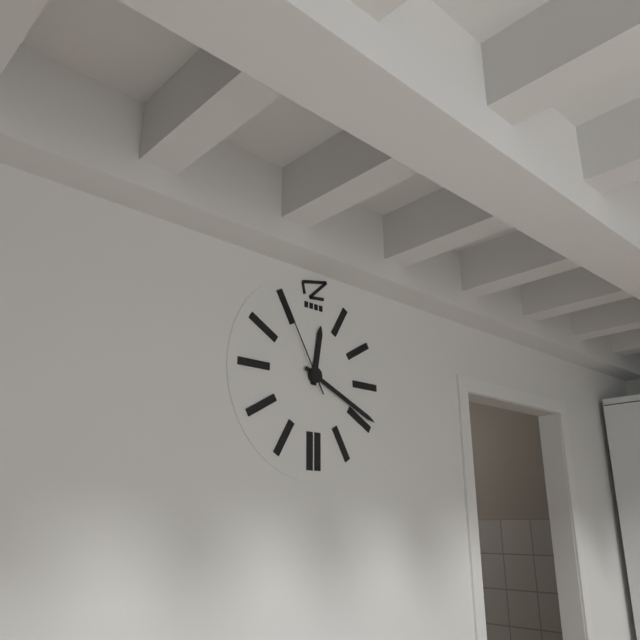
12:19:55
